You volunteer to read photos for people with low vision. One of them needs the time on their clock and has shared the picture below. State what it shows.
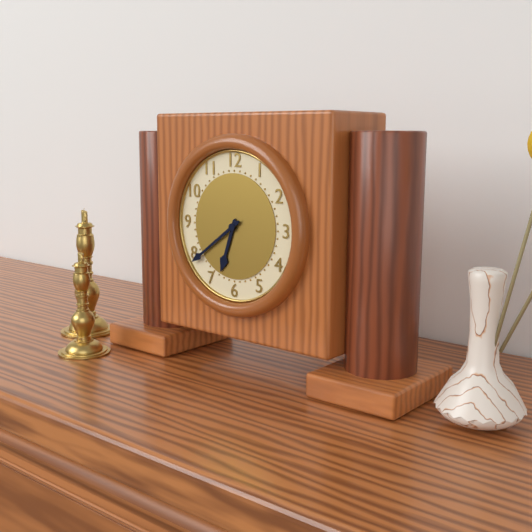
6:39
